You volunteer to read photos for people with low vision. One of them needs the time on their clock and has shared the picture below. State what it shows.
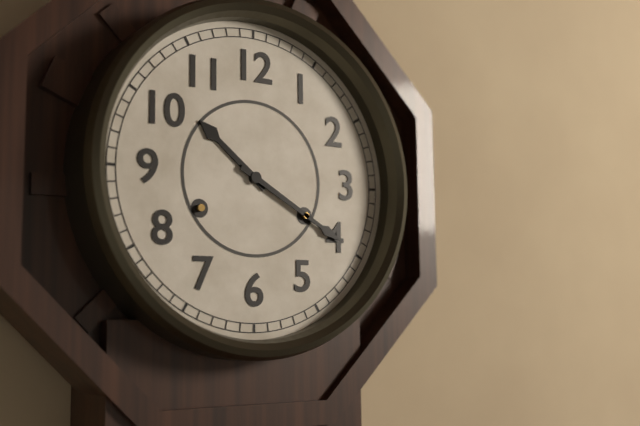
10:20
